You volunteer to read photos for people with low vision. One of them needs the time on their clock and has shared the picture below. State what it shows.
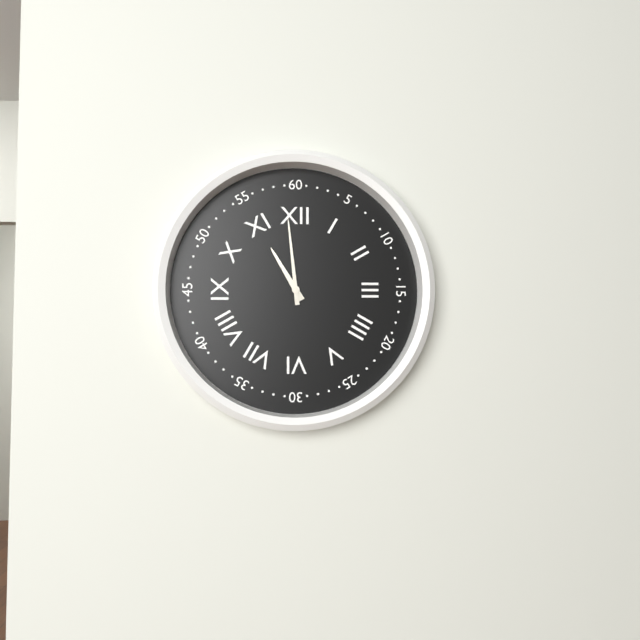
10:59
